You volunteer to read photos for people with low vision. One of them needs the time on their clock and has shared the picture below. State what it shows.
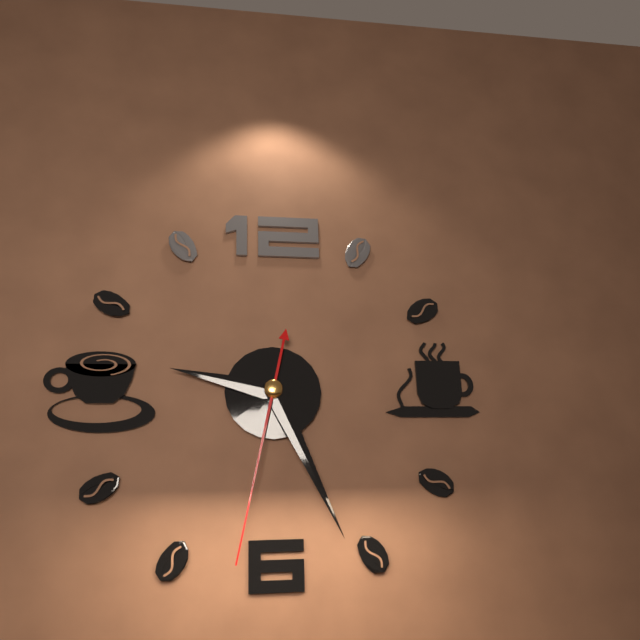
9:26:32
